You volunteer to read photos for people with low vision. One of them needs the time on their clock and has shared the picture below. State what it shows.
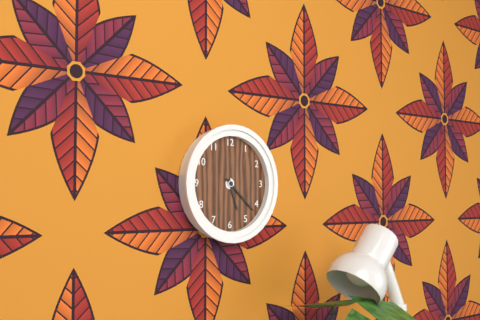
5:22
